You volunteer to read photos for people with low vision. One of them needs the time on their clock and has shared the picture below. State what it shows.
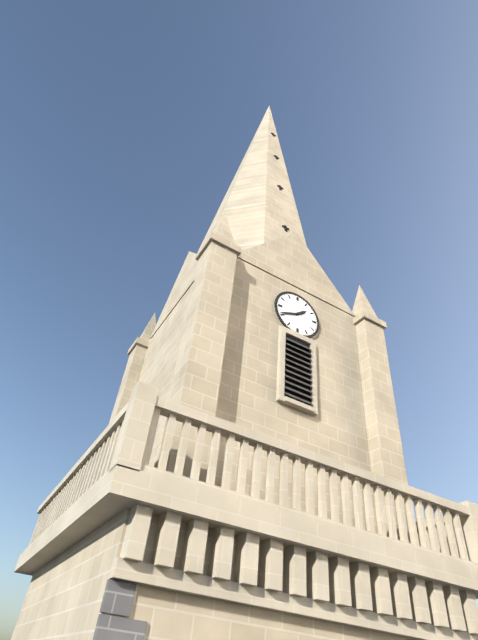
1:41
